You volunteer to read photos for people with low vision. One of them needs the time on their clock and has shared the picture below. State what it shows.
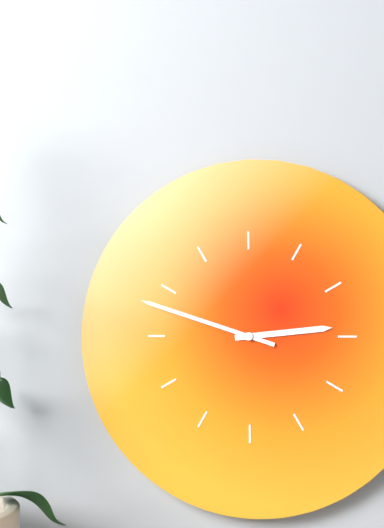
2:48
